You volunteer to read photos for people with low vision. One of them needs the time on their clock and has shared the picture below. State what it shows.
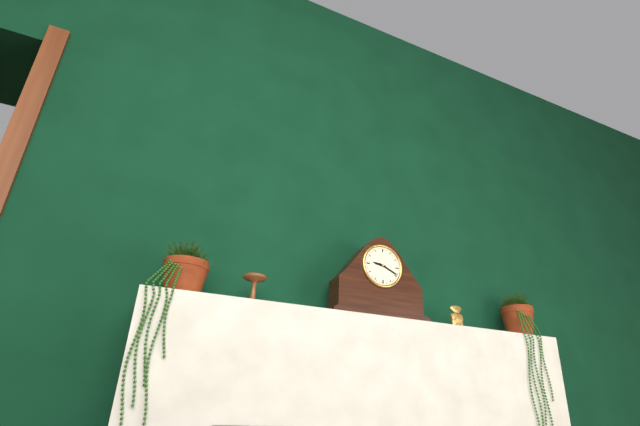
9:19
